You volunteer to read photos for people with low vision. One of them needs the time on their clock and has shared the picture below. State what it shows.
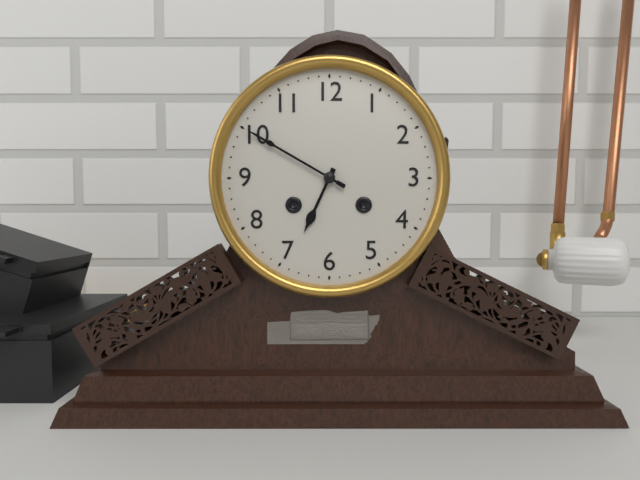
6:50
